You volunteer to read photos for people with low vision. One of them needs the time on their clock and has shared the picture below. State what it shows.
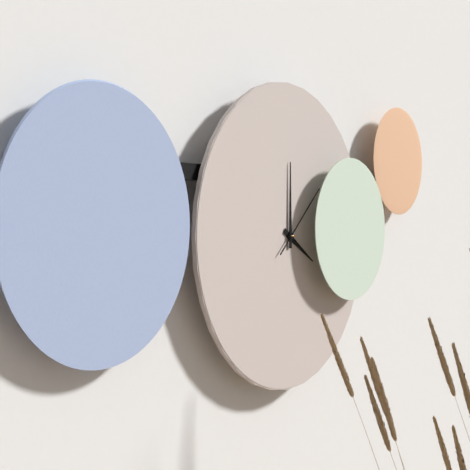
4:00:08
